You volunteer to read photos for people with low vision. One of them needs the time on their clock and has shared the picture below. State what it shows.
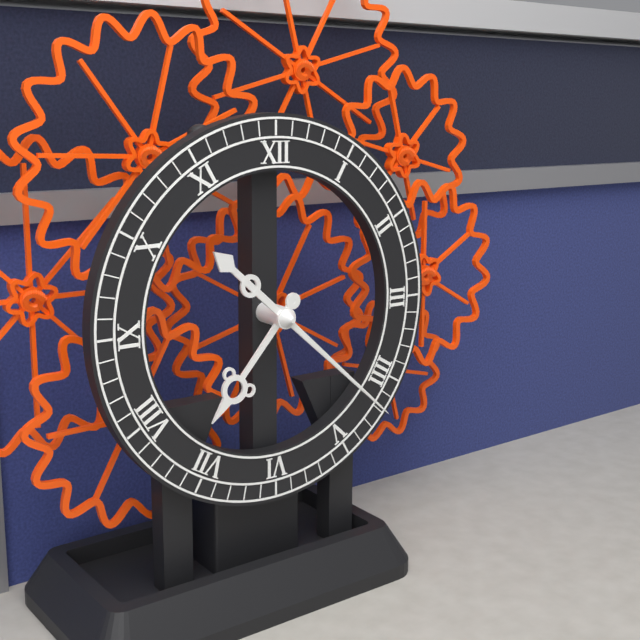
7:22
